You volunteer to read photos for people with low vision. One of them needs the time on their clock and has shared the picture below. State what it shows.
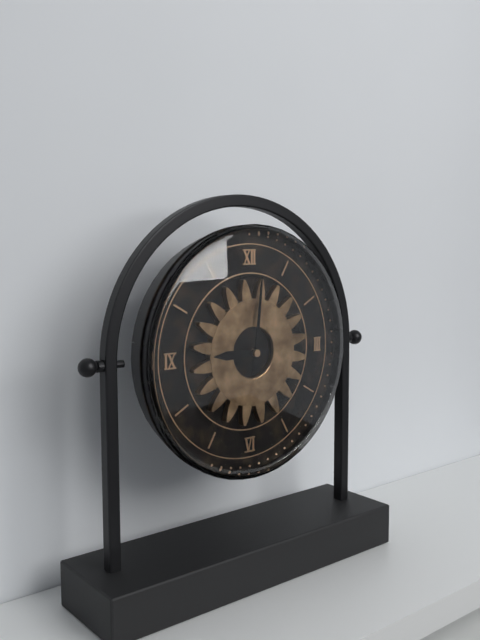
9:01
